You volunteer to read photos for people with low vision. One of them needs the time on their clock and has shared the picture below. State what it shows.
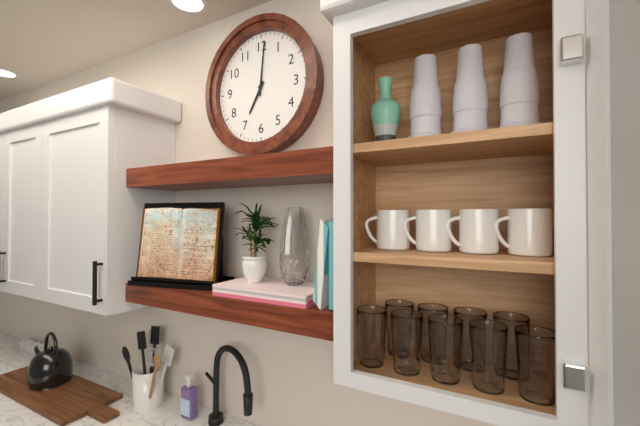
7:01
